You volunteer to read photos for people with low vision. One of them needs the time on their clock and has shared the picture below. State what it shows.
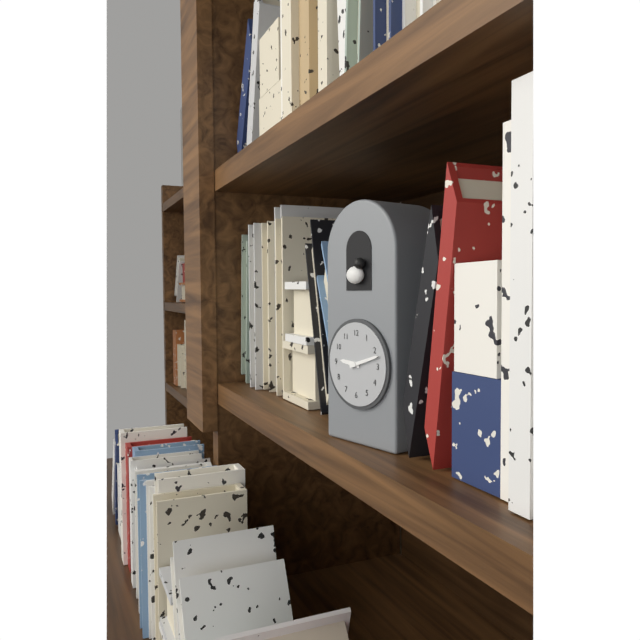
9:12
